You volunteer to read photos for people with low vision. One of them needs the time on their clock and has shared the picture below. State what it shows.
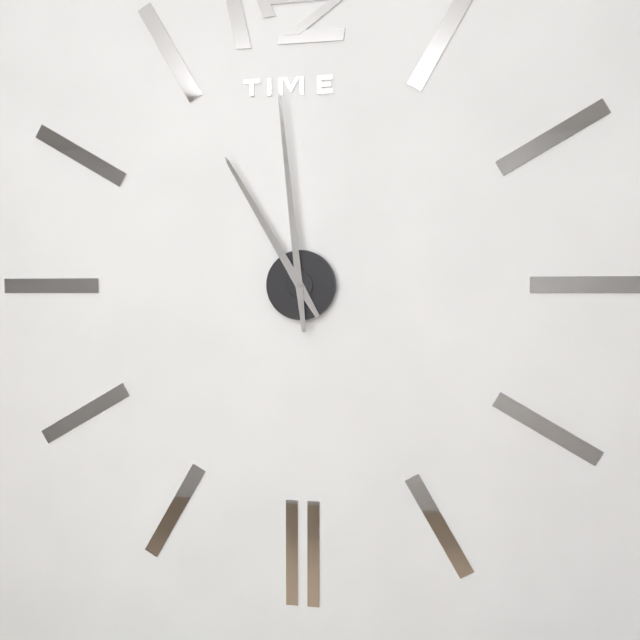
10:59
